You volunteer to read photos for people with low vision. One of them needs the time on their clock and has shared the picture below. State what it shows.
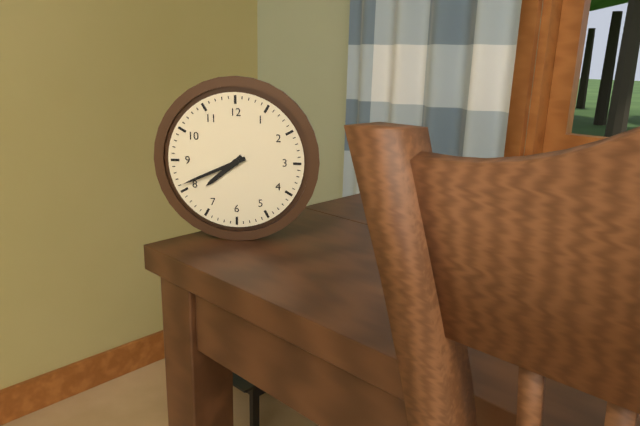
7:41
